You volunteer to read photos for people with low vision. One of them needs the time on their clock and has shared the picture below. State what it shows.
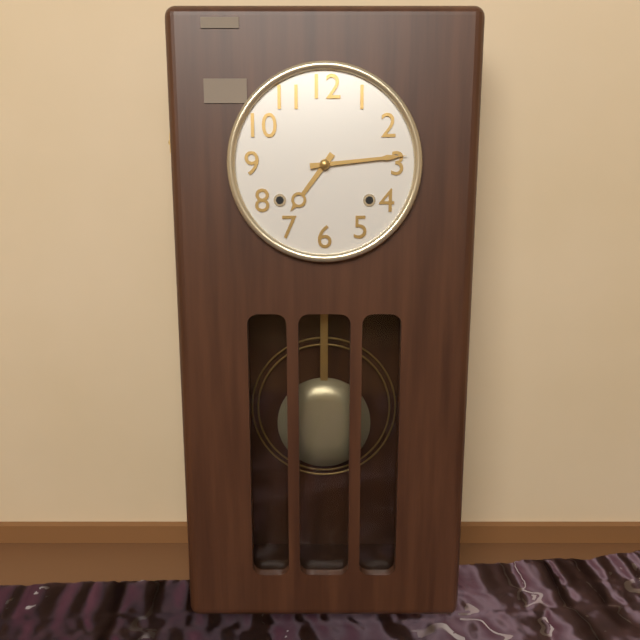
7:14
